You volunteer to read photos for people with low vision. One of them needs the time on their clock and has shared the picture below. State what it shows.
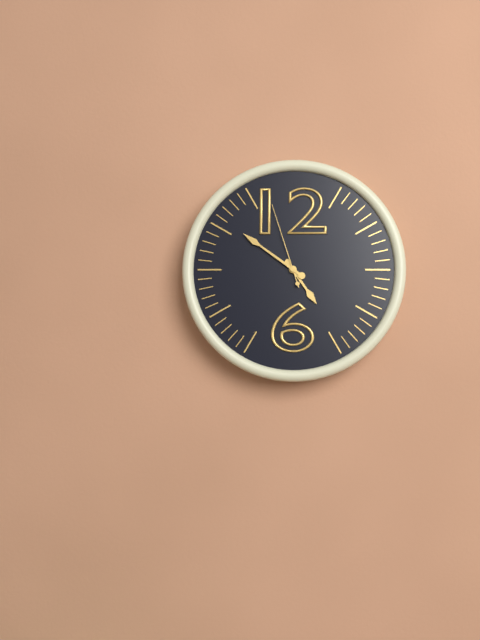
4:51:57
